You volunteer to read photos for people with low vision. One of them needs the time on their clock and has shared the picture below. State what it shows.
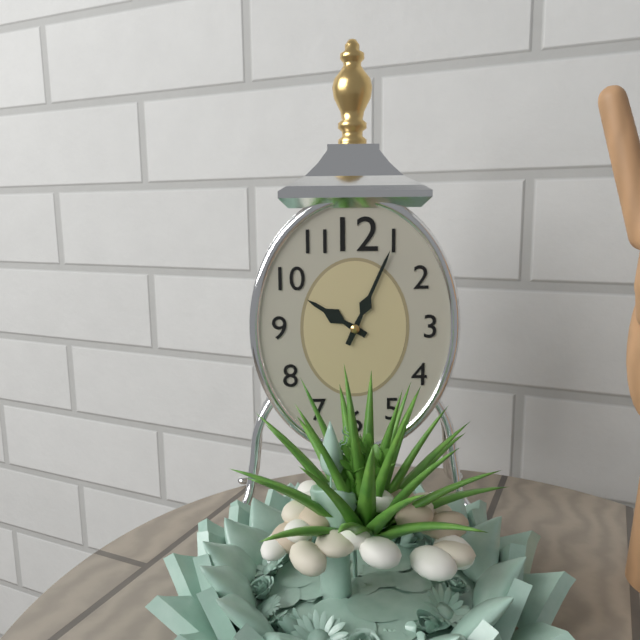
10:04
